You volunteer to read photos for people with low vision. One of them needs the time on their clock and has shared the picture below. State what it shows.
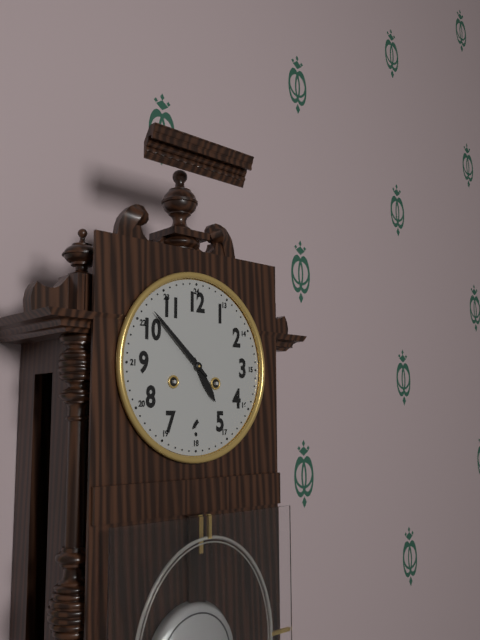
4:52
